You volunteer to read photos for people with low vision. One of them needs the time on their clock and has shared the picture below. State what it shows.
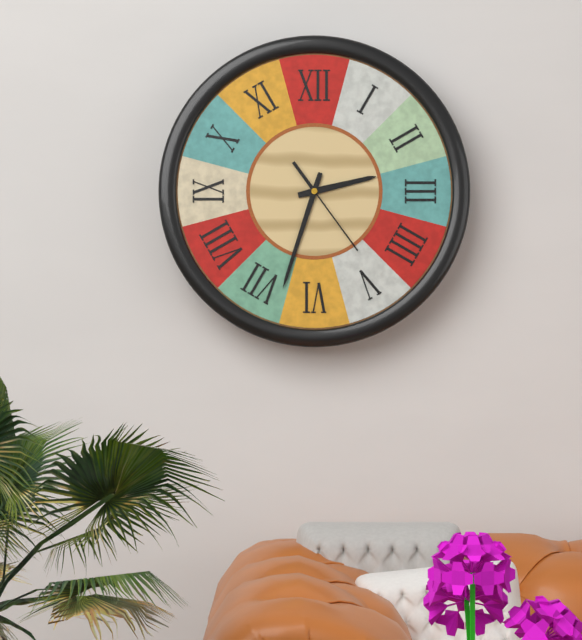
2:33:24
